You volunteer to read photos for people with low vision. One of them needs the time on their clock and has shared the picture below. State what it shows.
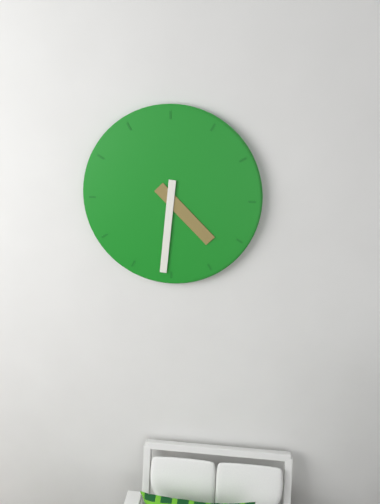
4:31
